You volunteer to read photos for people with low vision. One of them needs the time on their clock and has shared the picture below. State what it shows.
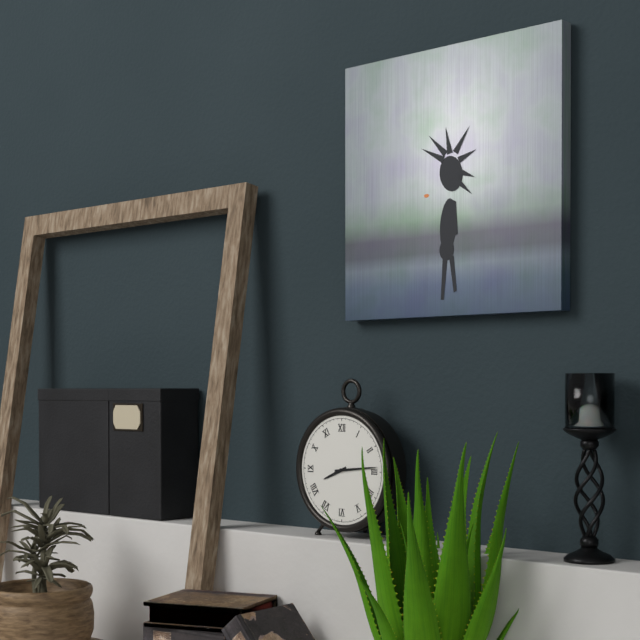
8:14
